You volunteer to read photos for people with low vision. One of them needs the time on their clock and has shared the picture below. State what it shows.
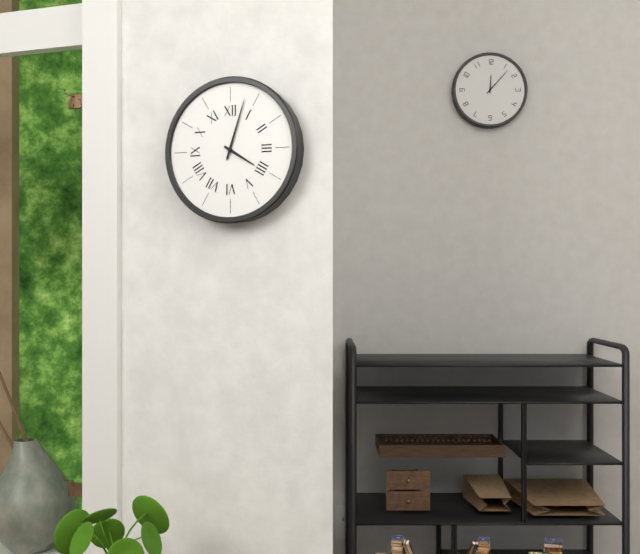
4:03
